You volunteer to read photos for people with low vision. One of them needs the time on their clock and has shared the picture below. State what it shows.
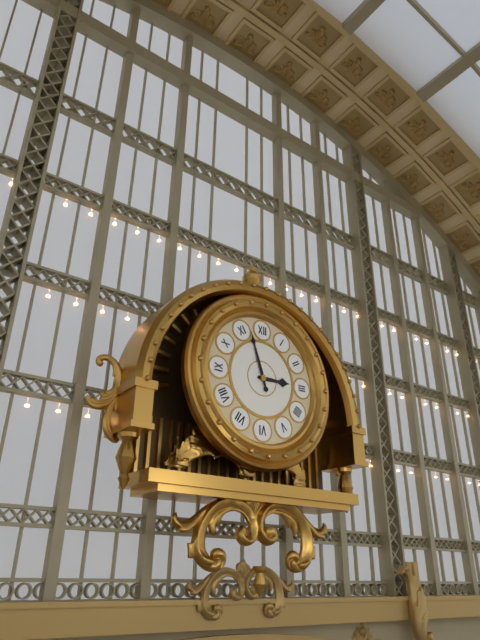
2:57
